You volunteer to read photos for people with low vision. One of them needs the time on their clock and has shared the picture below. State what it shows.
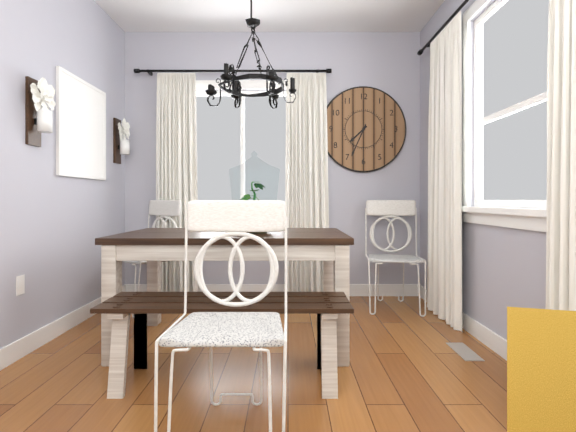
7:34
